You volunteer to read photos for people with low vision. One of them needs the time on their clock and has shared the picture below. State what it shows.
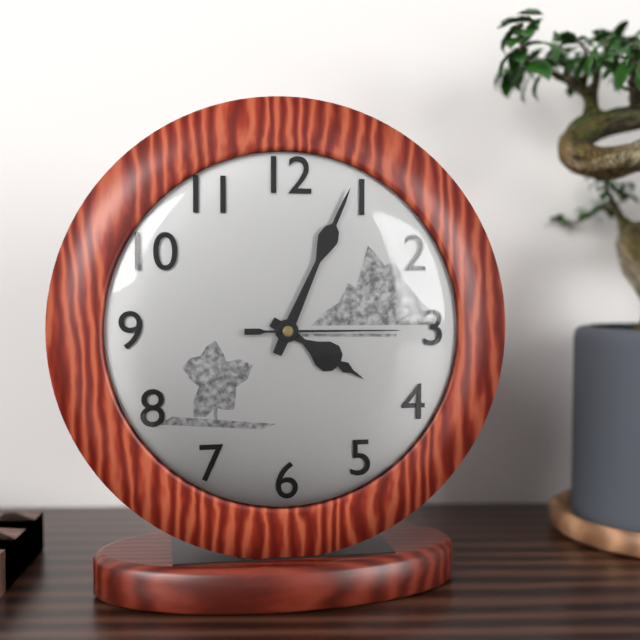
4:04:15
